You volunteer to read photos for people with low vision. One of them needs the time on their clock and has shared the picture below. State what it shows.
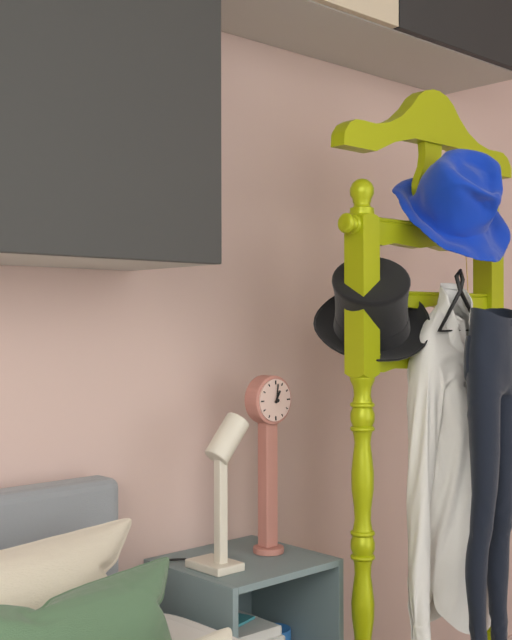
1:01
